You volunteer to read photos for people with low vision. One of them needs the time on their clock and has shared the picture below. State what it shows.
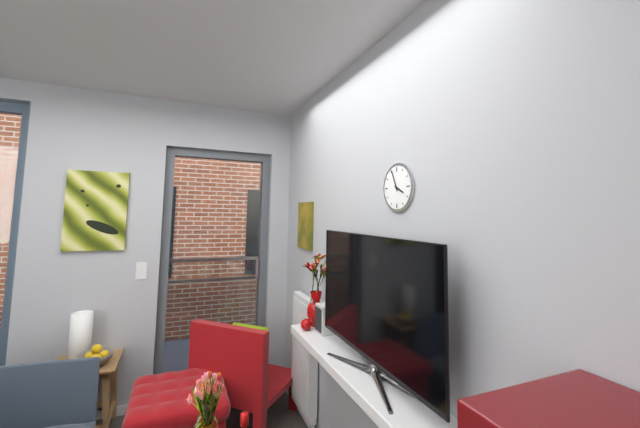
3:56
